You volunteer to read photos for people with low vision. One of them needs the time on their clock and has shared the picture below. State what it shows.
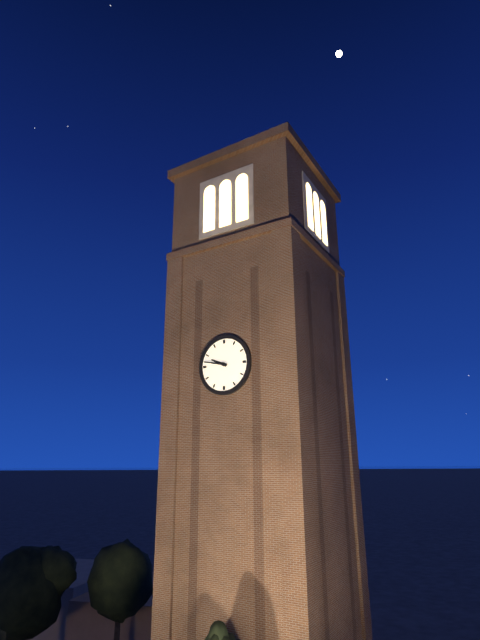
9:47
